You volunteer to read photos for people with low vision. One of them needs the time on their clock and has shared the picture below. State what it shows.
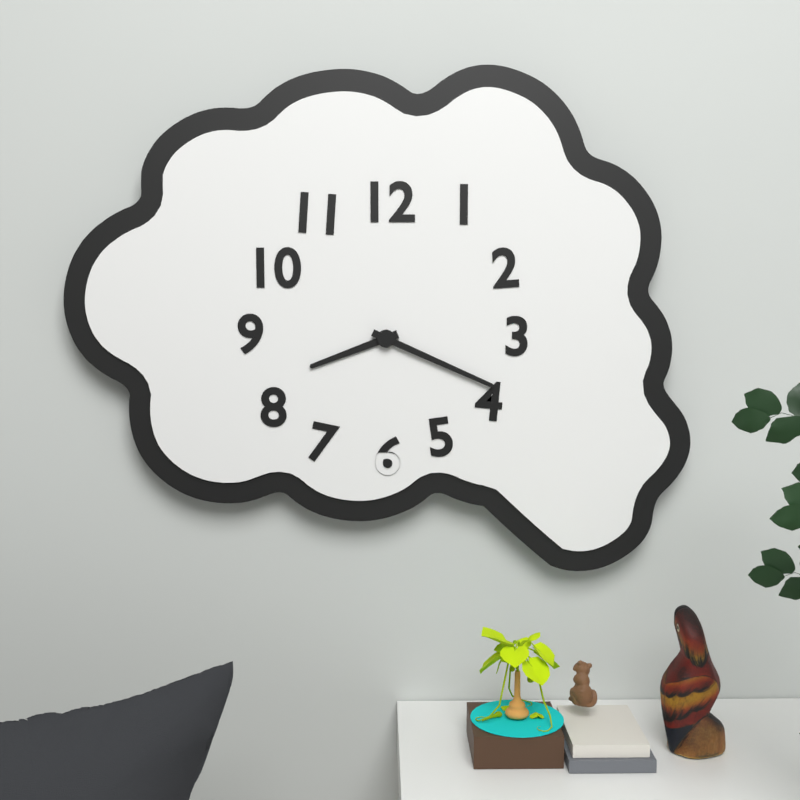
8:19
